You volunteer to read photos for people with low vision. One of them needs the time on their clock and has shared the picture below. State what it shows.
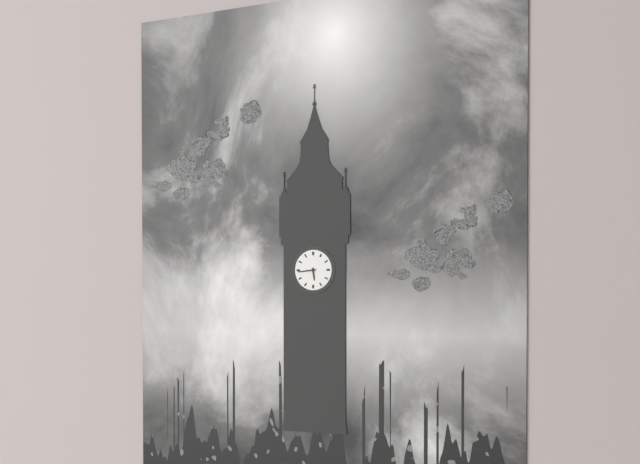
5:44
